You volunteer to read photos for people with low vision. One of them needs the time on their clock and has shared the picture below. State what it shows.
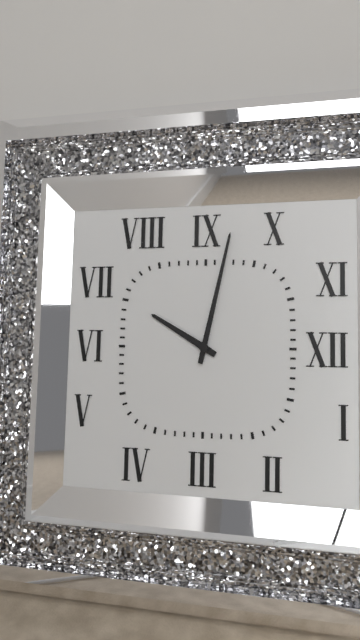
10:02
